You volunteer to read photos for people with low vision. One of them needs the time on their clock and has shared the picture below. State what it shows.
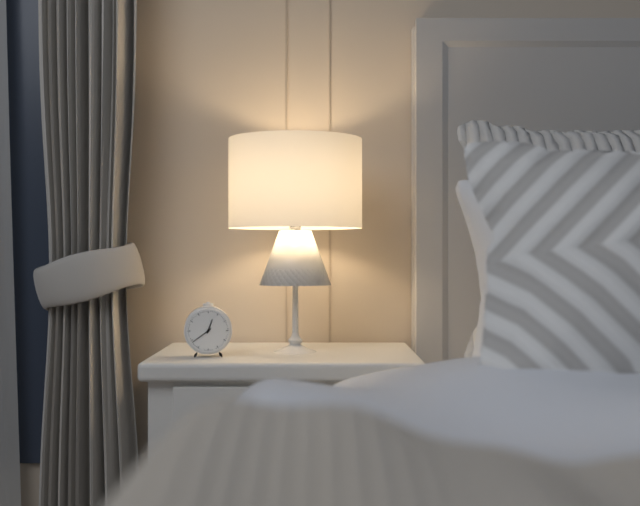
12:39
